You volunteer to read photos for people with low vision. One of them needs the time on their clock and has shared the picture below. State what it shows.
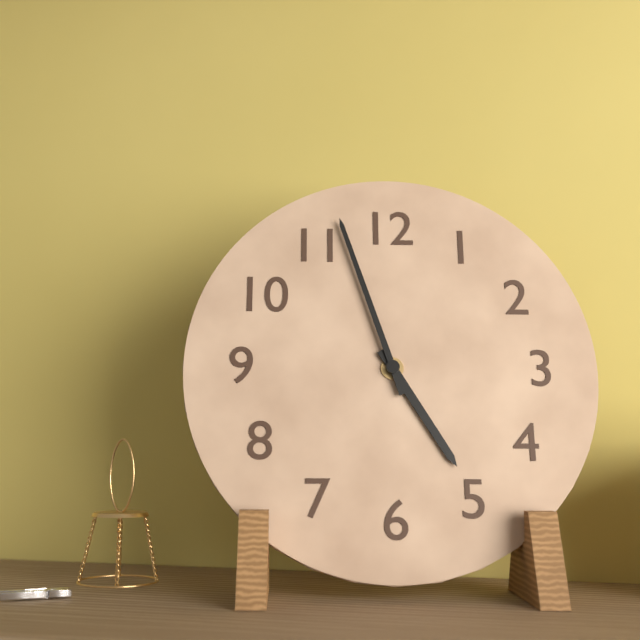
4:57
